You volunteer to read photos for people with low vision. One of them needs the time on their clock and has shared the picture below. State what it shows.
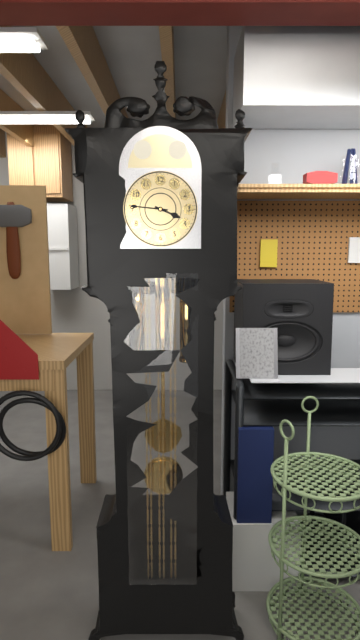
3:46
